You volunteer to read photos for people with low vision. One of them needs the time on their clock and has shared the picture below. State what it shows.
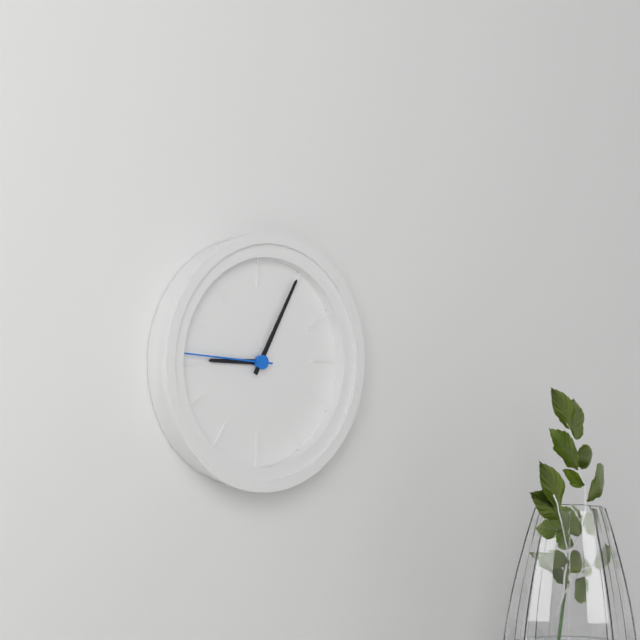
9:05:46
